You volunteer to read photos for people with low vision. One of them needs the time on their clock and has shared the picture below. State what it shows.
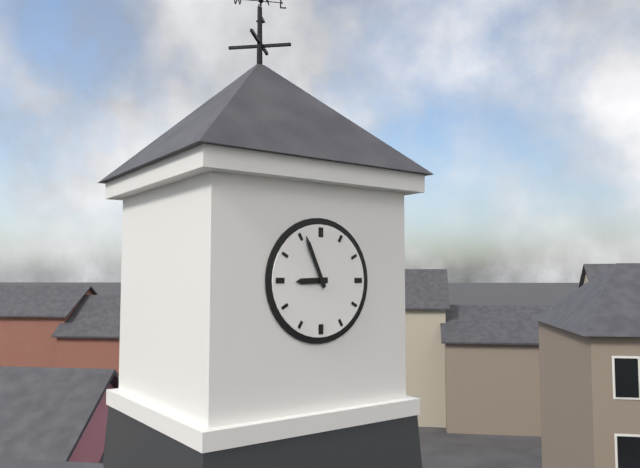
8:56
